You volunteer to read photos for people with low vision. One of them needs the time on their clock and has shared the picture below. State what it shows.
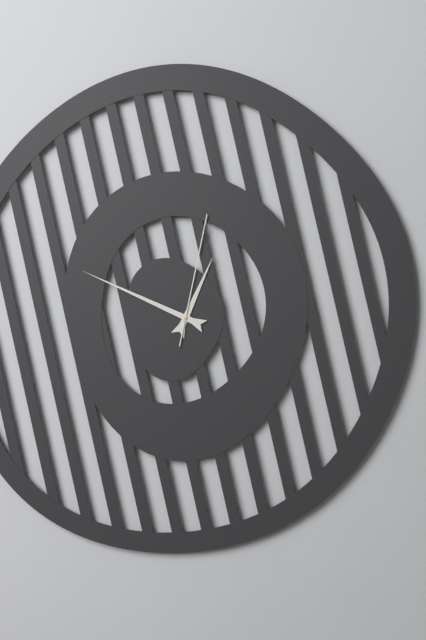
12:49:02
